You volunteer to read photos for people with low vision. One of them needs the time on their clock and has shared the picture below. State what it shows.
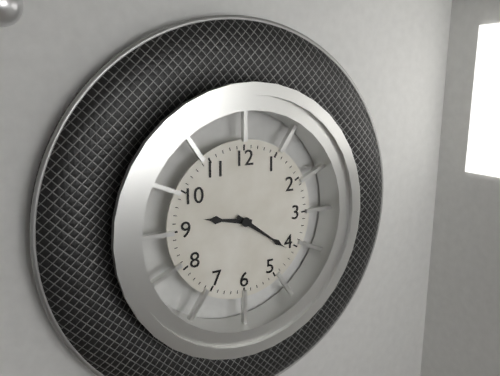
9:21
